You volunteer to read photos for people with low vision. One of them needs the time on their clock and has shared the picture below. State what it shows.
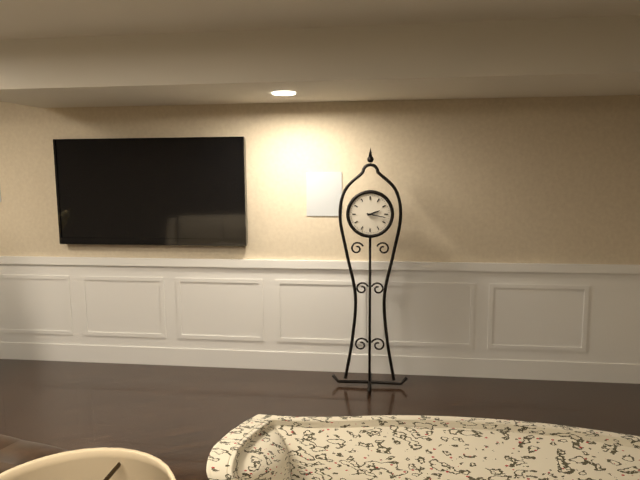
2:17
